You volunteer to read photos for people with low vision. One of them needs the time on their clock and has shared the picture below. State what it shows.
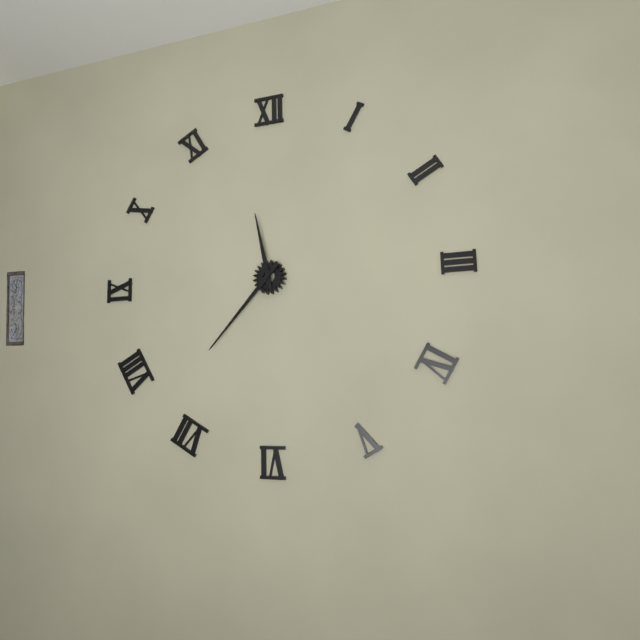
11:37
